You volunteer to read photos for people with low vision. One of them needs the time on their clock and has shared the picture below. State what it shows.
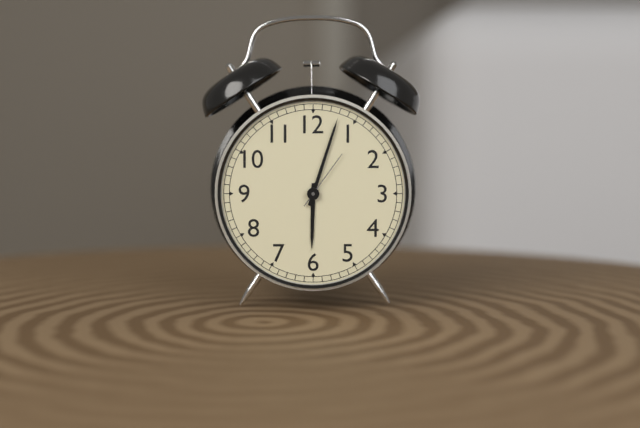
6:03:06
